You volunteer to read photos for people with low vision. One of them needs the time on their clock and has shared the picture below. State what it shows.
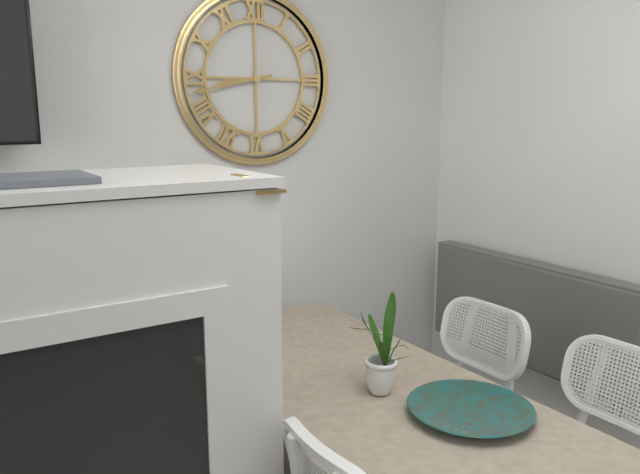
8:43
